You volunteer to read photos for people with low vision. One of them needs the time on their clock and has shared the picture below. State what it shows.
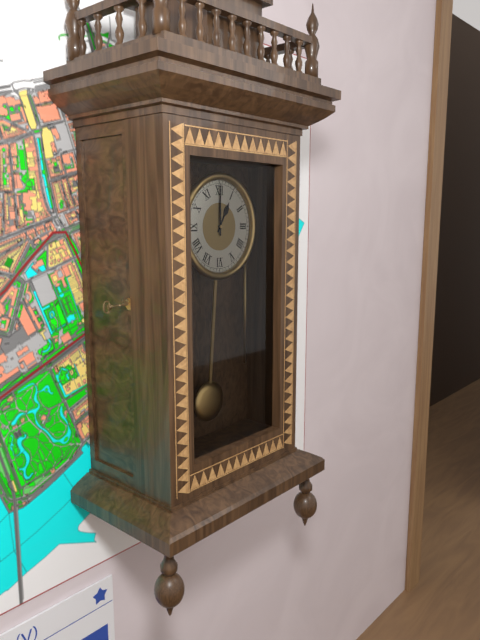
1:00
